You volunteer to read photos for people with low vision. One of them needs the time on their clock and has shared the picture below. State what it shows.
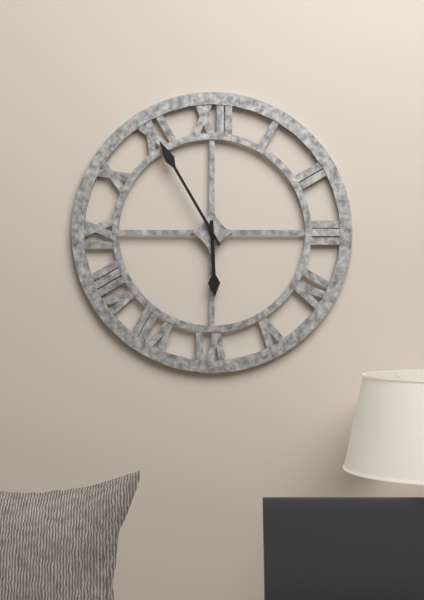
5:55
